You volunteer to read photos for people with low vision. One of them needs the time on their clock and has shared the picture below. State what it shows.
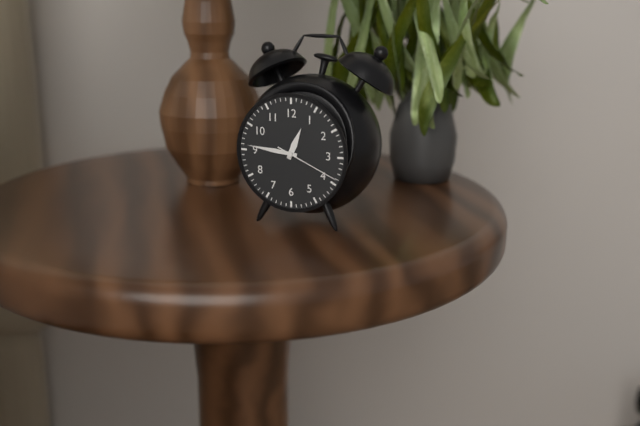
12:46:19
